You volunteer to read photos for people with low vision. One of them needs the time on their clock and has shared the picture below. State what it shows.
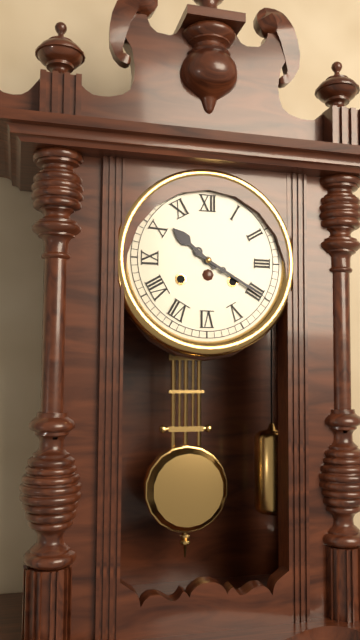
10:20
